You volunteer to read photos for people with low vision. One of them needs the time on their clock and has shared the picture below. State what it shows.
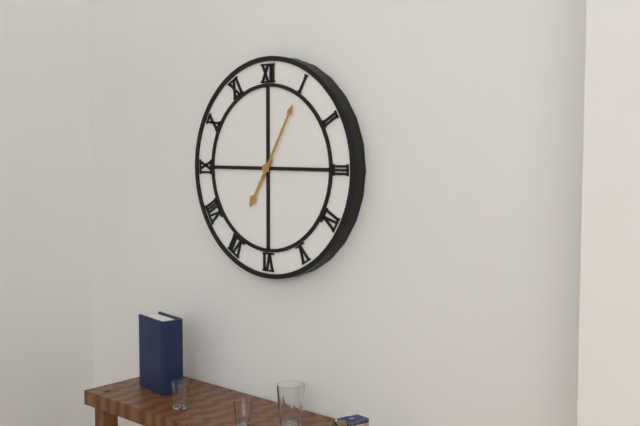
7:05
